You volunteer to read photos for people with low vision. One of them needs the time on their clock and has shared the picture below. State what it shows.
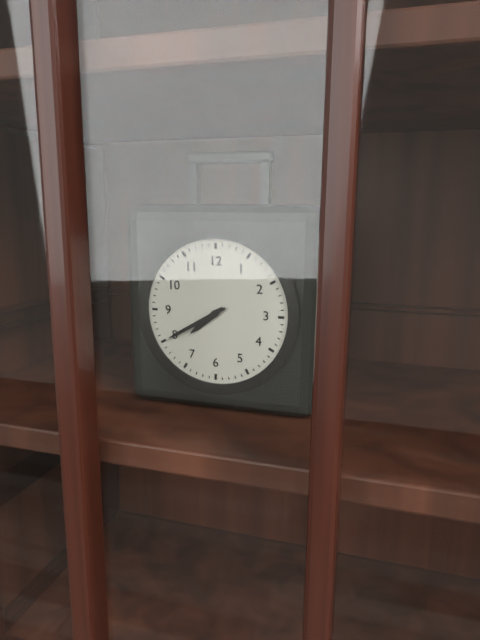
7:40
